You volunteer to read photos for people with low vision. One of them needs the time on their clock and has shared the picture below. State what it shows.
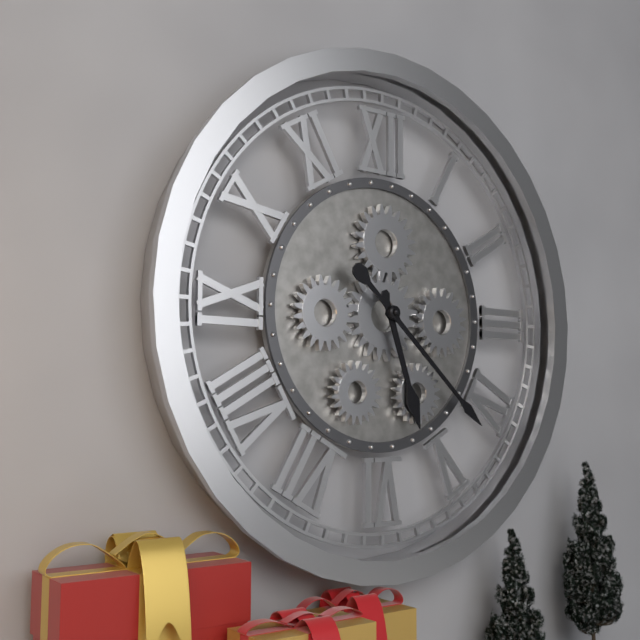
5:22
